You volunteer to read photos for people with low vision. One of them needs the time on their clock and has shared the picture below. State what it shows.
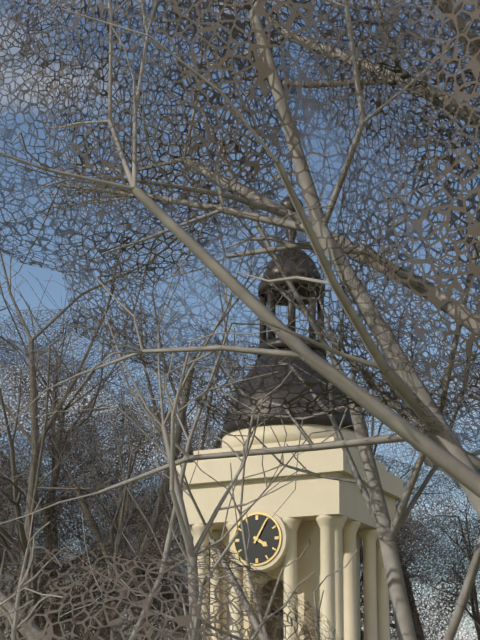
4:05
